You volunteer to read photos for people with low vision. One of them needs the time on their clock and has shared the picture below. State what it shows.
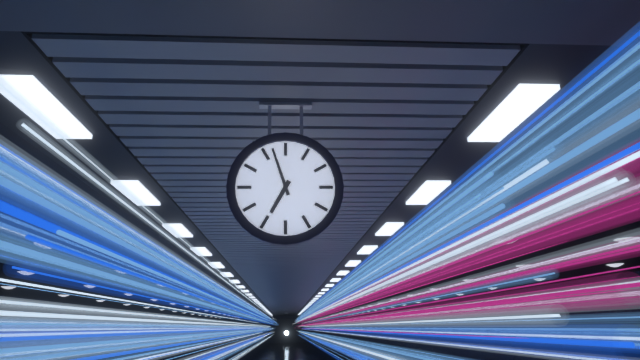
6:57
